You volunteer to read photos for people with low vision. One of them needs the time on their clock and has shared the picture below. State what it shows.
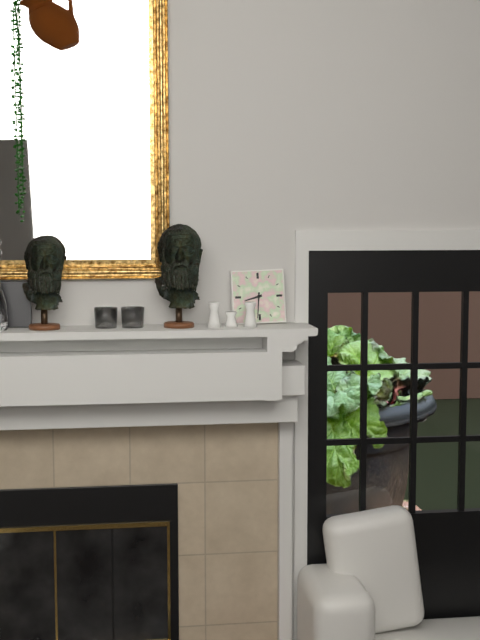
8:31
